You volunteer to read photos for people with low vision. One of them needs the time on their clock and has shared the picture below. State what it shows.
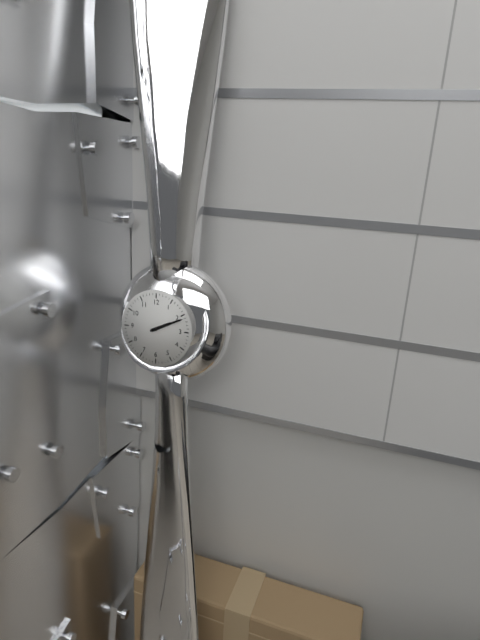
2:11
